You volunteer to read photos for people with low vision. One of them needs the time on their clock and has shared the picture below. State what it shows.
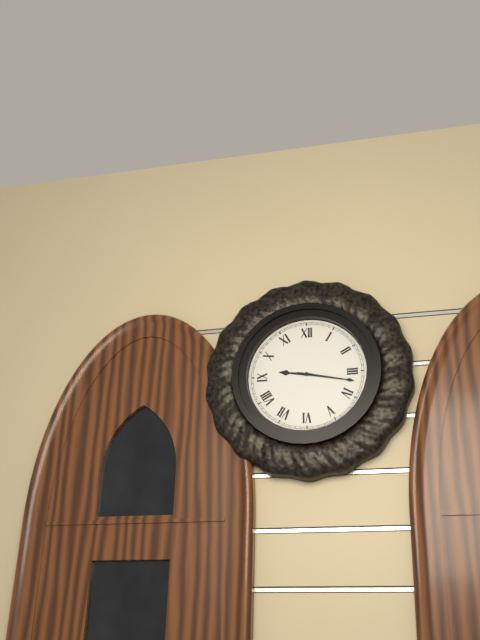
9:17
